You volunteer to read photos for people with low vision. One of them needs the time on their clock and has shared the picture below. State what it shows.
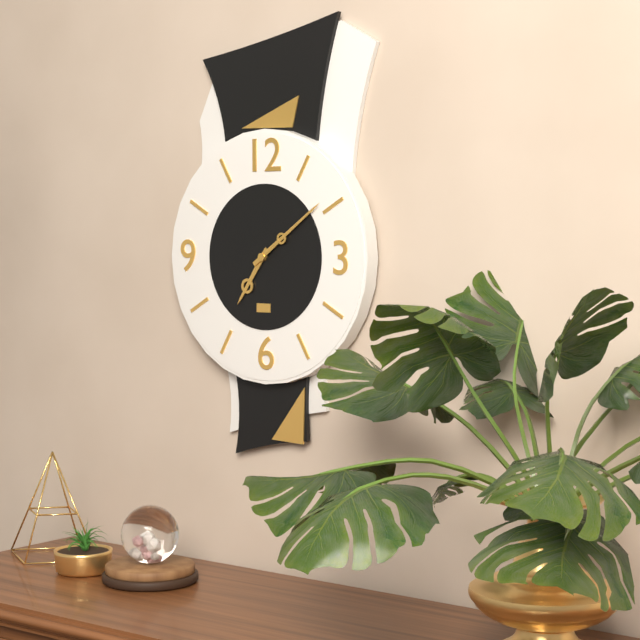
7:09
